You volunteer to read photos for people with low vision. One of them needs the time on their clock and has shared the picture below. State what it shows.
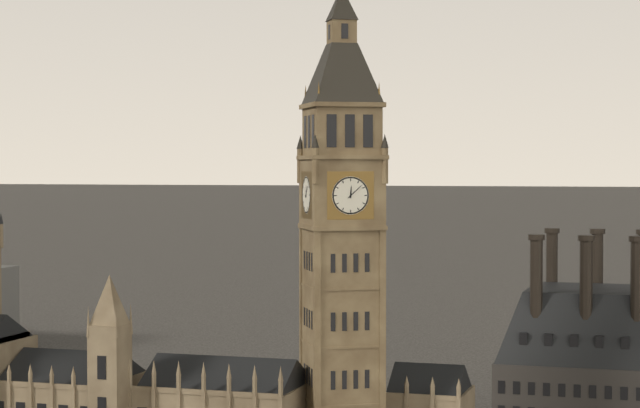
12:08
